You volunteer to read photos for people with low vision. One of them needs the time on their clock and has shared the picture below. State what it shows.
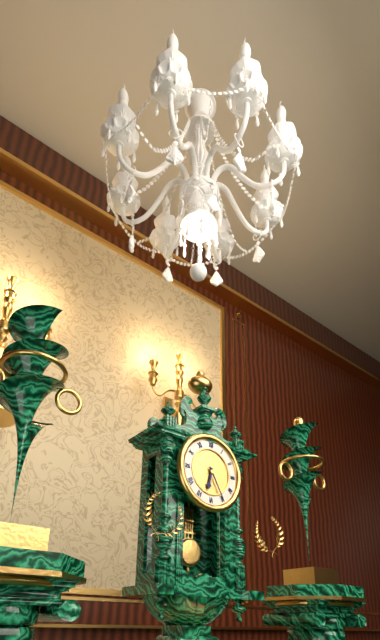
6:25
